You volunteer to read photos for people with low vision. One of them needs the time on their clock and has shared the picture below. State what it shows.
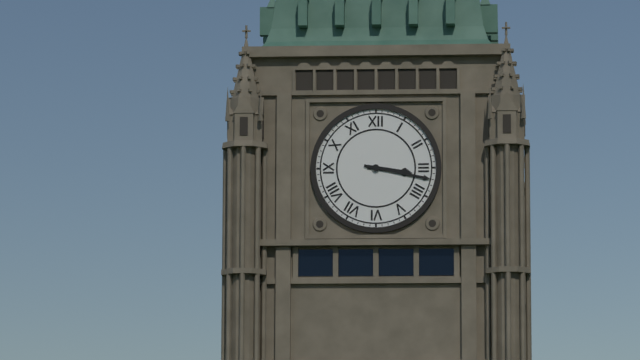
3:17
